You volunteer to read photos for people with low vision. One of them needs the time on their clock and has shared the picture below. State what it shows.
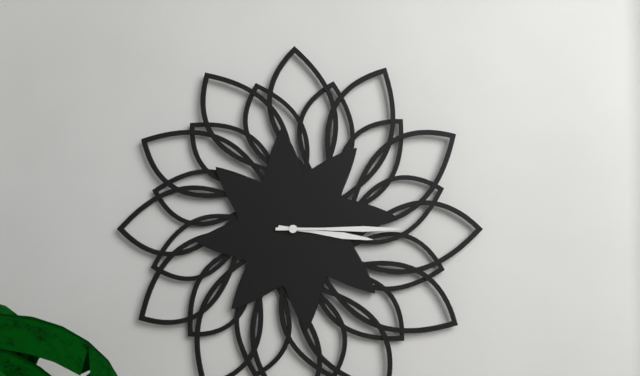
3:15
